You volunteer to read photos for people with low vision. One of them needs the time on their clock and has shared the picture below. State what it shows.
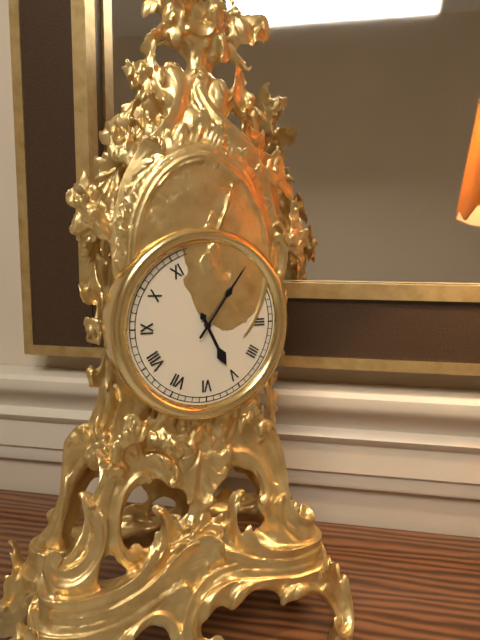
5:06
